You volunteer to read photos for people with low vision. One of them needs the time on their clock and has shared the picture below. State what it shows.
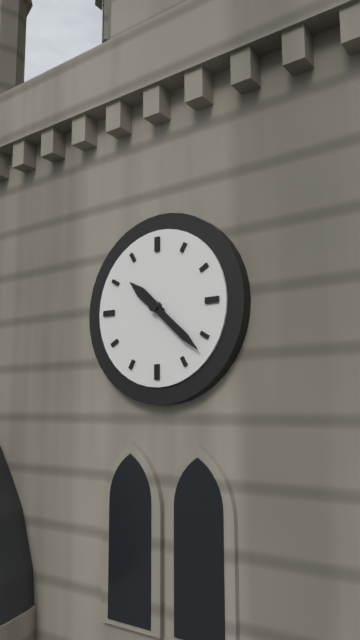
10:22
